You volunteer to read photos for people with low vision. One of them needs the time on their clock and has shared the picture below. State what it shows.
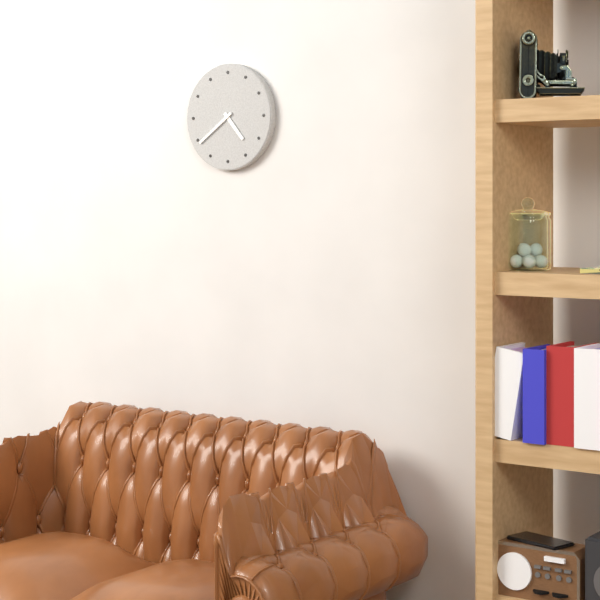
4:39
